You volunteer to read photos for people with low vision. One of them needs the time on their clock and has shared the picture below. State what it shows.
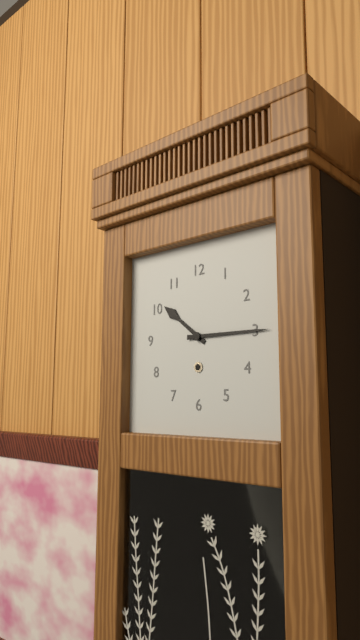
10:15
